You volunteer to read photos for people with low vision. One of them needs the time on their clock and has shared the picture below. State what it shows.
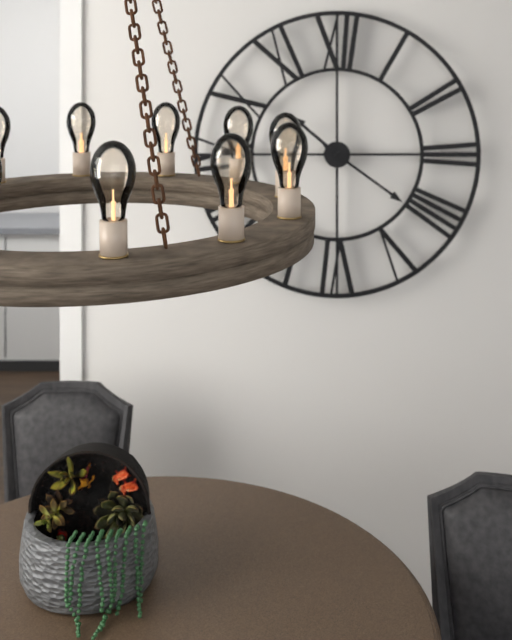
10:21
